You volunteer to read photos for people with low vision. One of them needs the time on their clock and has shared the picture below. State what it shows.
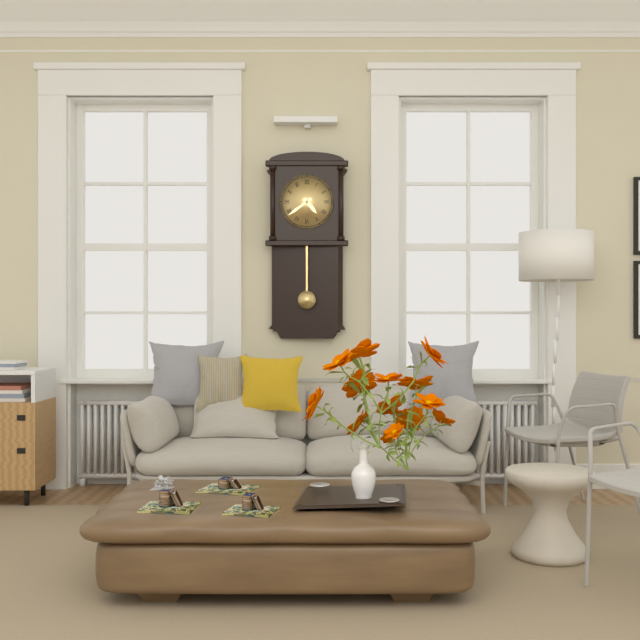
4:39
